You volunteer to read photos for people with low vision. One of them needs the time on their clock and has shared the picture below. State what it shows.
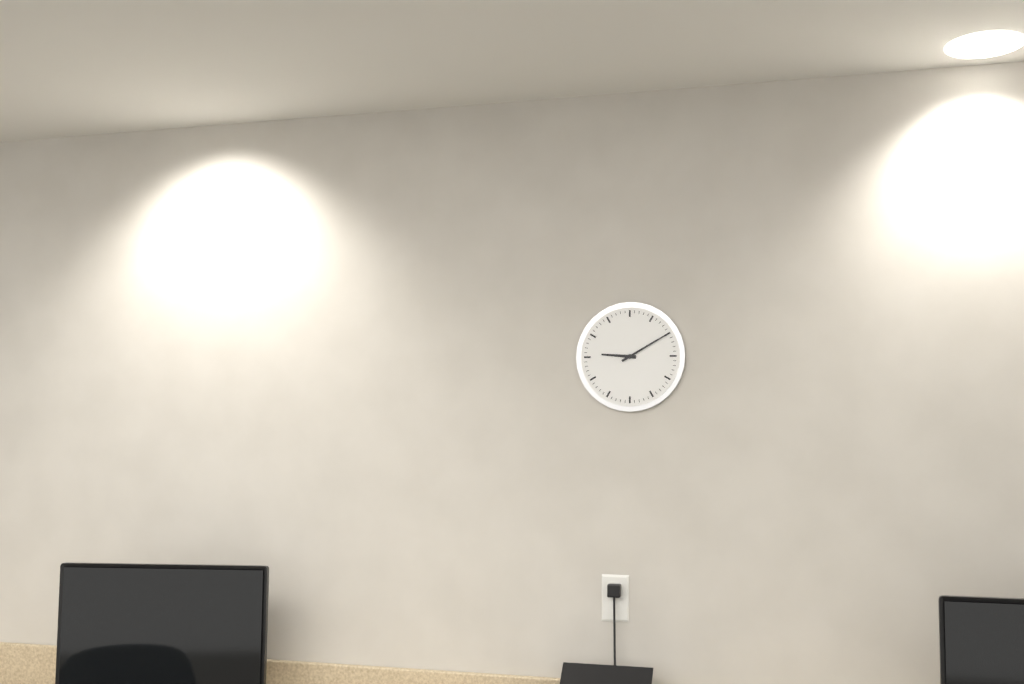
9:10
